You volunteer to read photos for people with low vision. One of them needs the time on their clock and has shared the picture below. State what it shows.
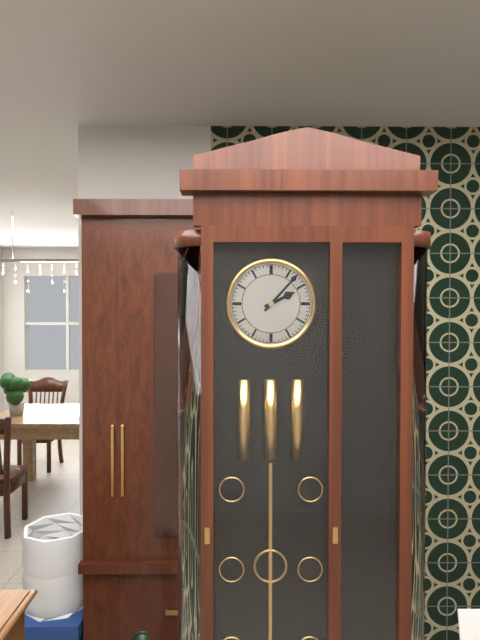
2:07
